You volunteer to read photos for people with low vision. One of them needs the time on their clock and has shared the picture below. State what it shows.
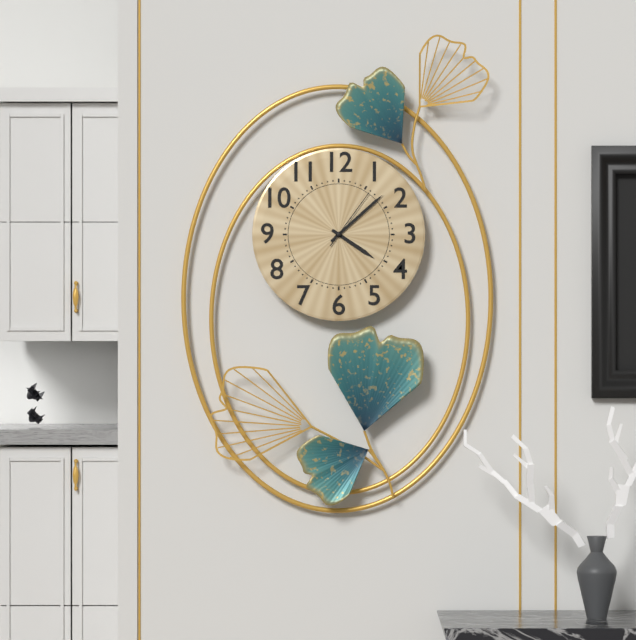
4:08:06
